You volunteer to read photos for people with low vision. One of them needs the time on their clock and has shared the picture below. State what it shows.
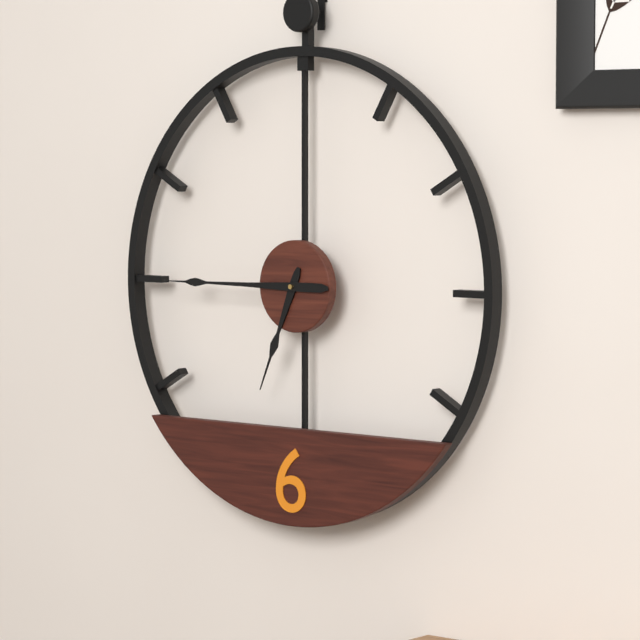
6:45
